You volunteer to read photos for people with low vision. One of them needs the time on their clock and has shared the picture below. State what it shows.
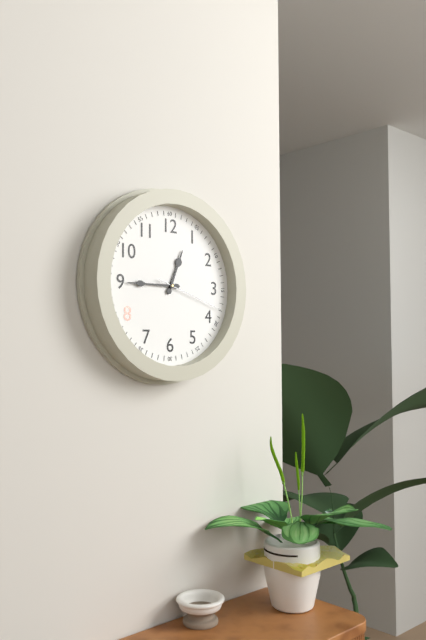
12:45:18
